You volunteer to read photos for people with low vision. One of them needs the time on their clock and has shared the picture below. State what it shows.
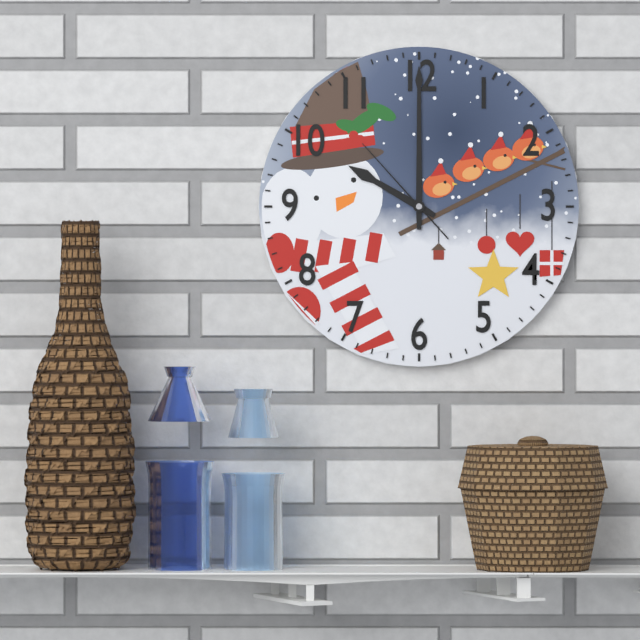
10:00:53
